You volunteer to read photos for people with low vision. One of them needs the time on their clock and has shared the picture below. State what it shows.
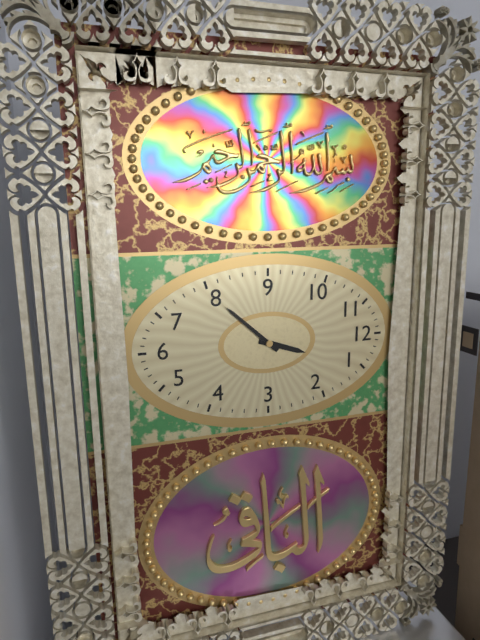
12:37
